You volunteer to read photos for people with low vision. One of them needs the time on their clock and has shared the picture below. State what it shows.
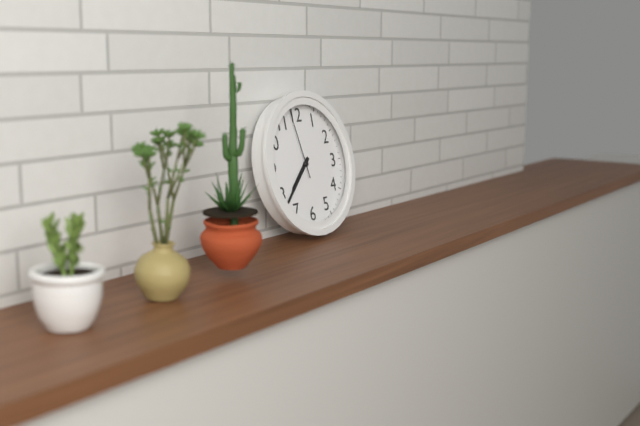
7:38:58
